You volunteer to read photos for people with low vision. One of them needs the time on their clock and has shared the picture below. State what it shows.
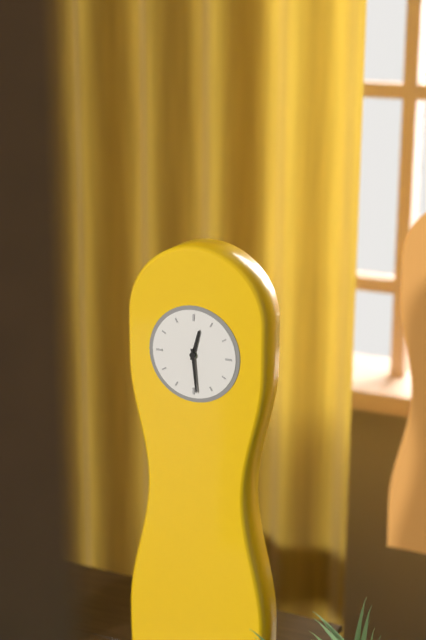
12:29
